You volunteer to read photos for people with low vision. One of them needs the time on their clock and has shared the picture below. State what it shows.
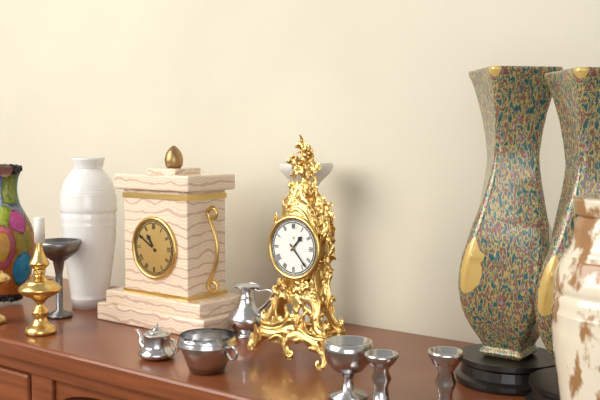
1:23
